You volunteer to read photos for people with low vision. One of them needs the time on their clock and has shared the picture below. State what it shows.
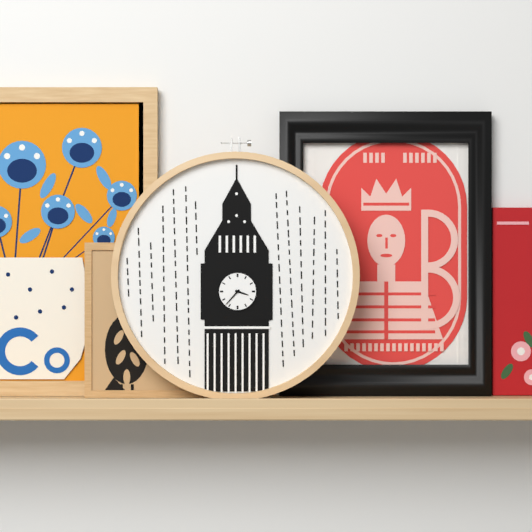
3:37
